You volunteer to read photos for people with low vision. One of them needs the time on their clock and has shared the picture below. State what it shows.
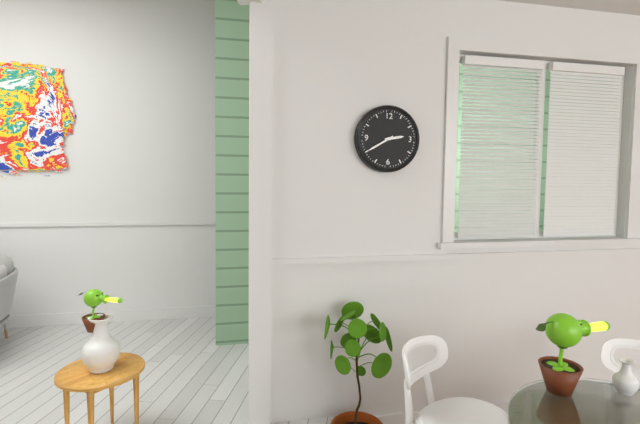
2:40
